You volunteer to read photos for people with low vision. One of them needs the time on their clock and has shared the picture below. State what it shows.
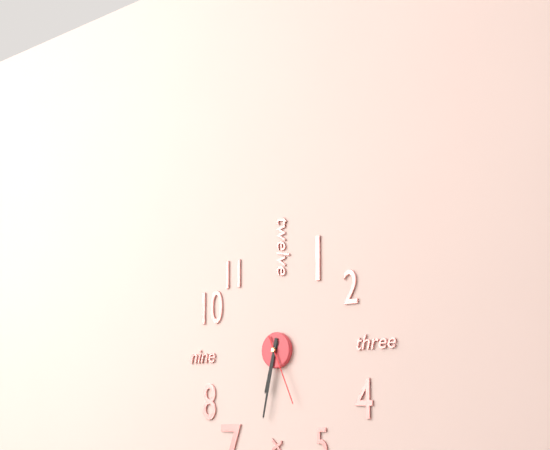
6:32:26
